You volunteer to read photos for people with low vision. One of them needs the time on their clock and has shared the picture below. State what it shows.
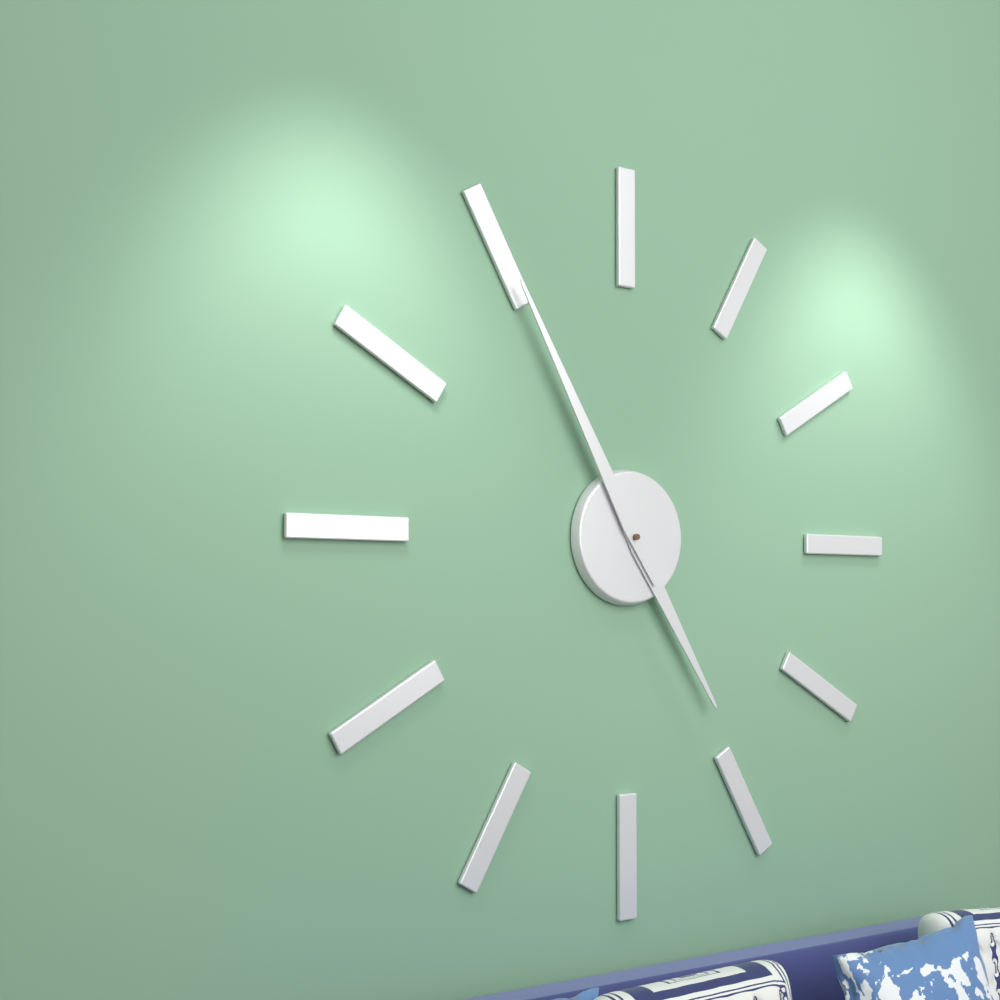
4:55
